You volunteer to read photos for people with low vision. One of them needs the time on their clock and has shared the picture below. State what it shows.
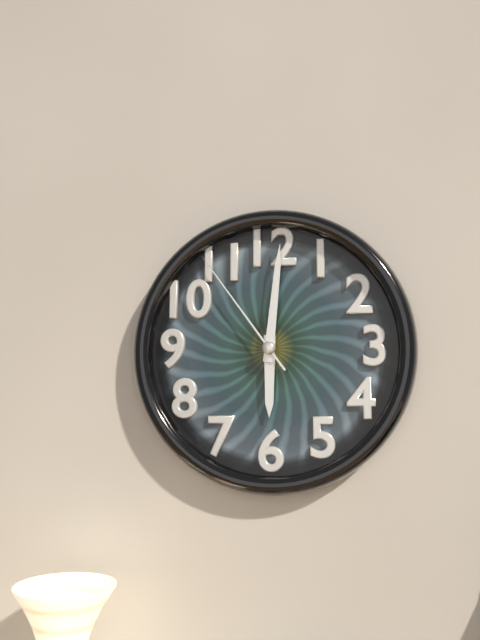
6:01:54
